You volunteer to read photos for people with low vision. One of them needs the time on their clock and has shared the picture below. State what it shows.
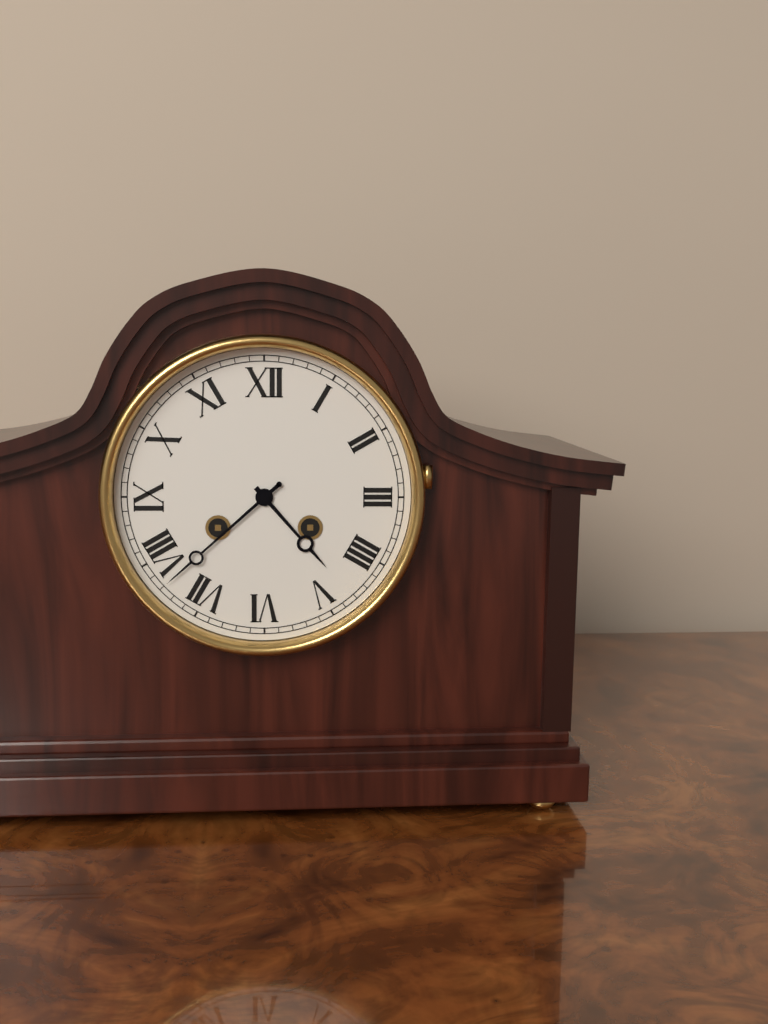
4:38
